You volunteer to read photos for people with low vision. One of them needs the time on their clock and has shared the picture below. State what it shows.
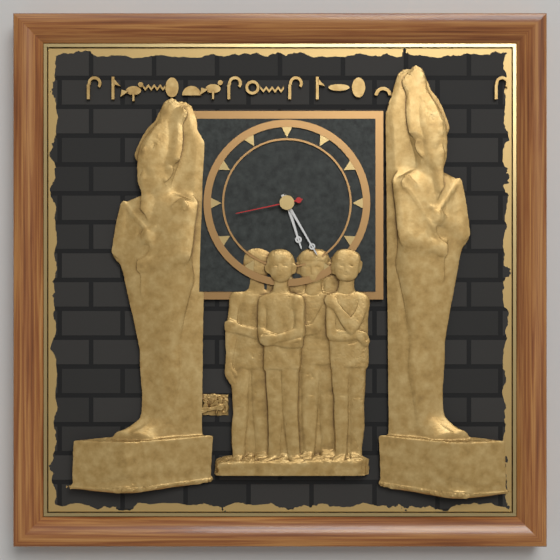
5:25:43
